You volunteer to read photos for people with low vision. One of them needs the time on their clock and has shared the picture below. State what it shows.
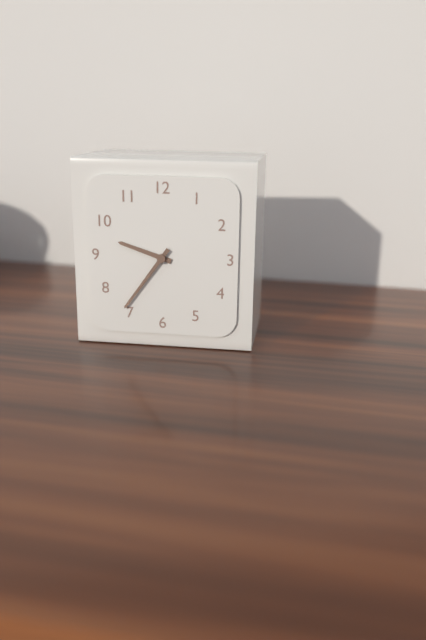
9:36
